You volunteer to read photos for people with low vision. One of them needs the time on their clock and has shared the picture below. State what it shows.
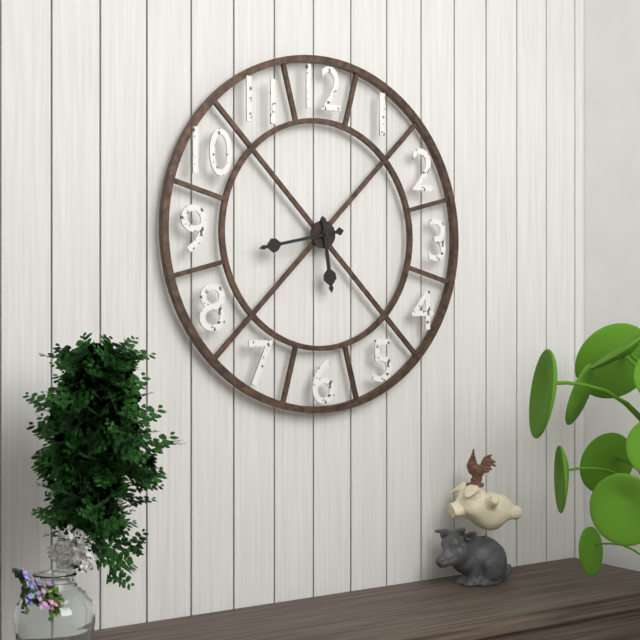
5:43
